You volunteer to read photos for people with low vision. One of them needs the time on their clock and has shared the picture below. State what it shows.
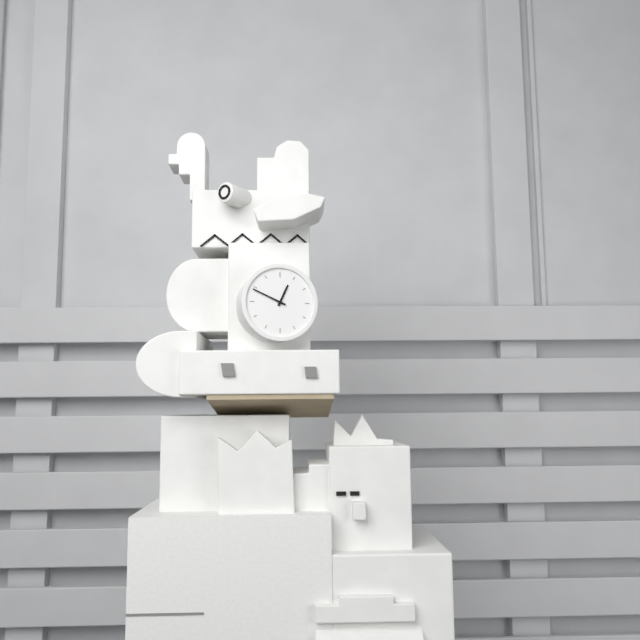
12:49
